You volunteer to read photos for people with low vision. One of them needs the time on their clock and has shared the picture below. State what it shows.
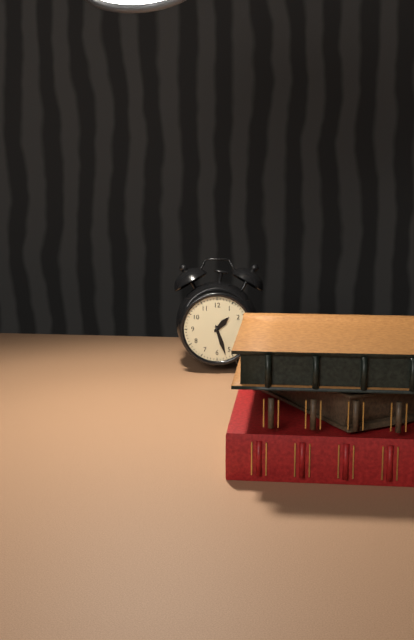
1:27
